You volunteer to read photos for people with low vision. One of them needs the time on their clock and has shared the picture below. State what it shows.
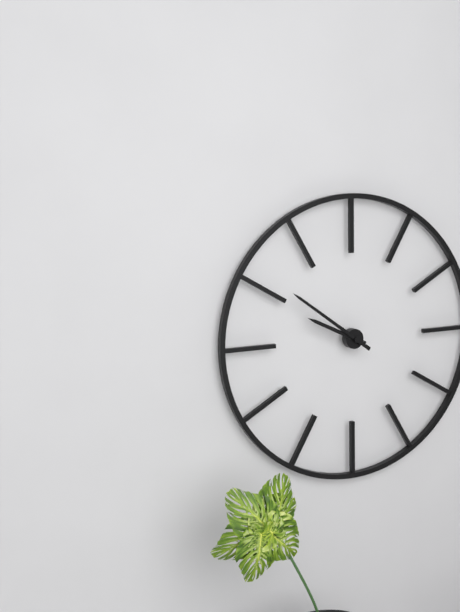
9:51
